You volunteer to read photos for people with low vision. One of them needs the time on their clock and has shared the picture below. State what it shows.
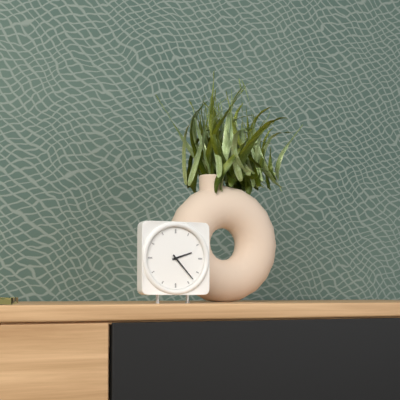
2:23
